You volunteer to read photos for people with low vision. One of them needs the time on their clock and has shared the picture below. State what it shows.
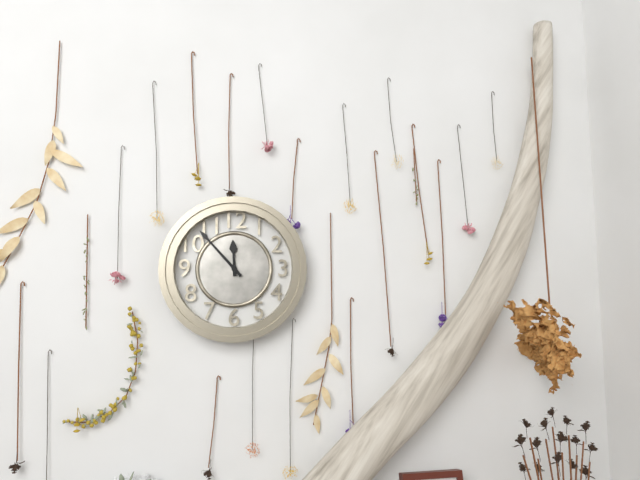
11:53
